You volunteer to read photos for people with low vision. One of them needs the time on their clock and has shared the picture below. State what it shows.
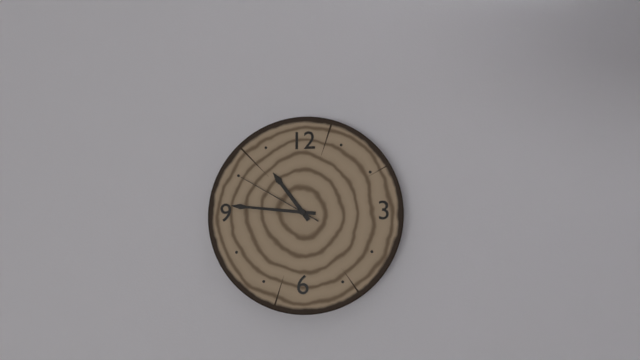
10:46:50
